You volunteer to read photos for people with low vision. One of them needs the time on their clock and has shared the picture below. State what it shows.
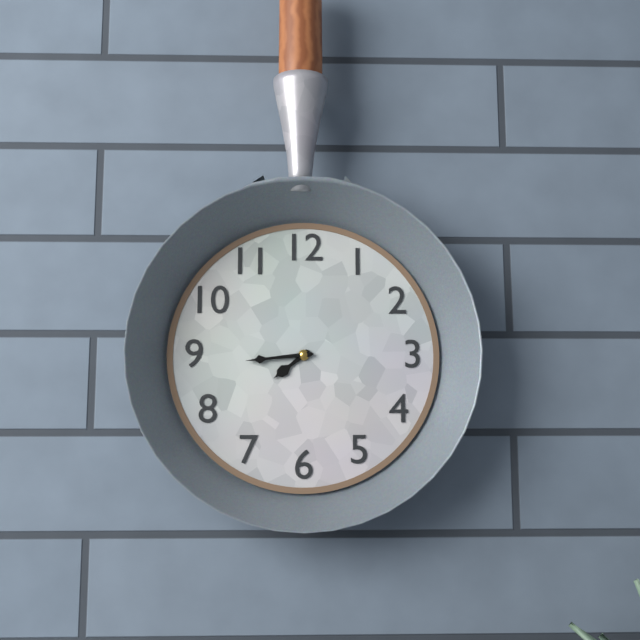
7:44
